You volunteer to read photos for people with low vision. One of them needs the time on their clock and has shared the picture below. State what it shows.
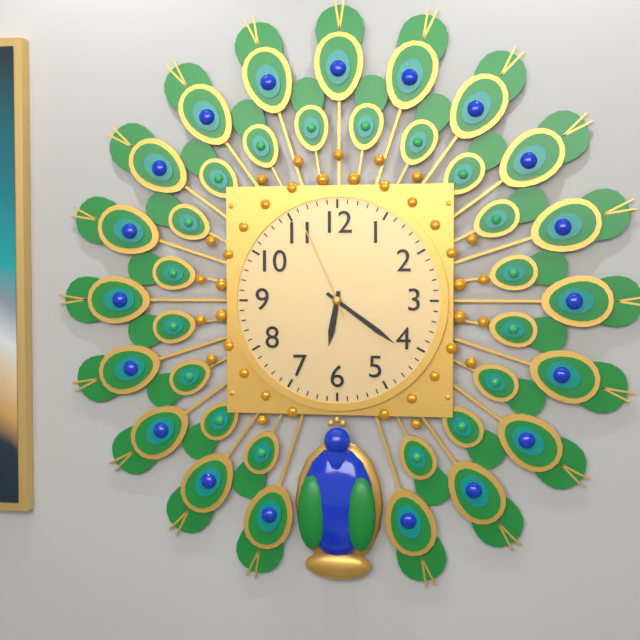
6:21:56
